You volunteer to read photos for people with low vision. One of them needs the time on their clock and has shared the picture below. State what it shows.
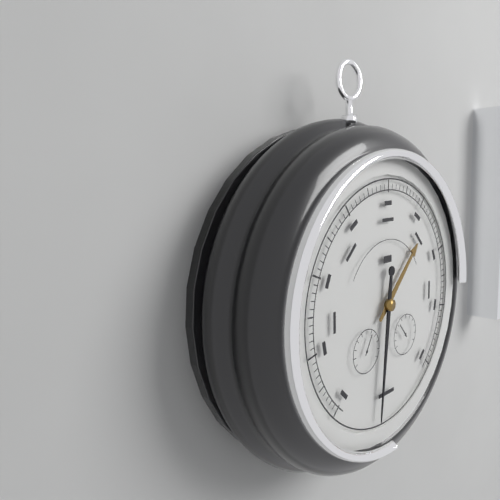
1:31
